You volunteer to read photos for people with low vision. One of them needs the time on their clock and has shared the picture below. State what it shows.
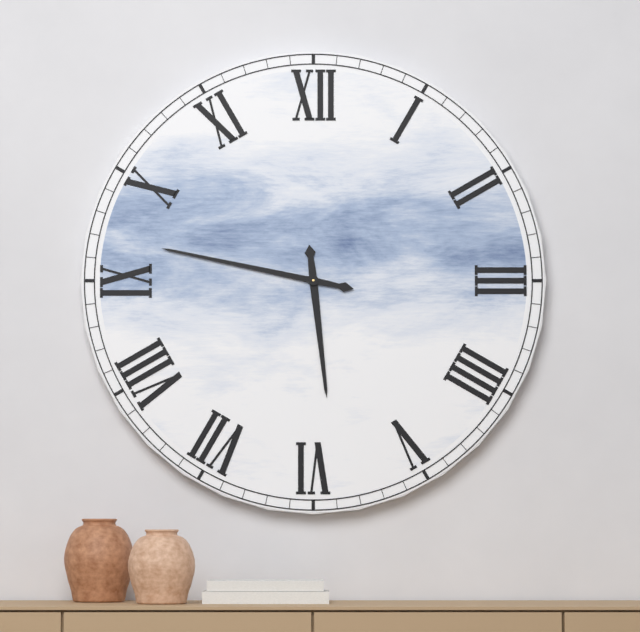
5:47
